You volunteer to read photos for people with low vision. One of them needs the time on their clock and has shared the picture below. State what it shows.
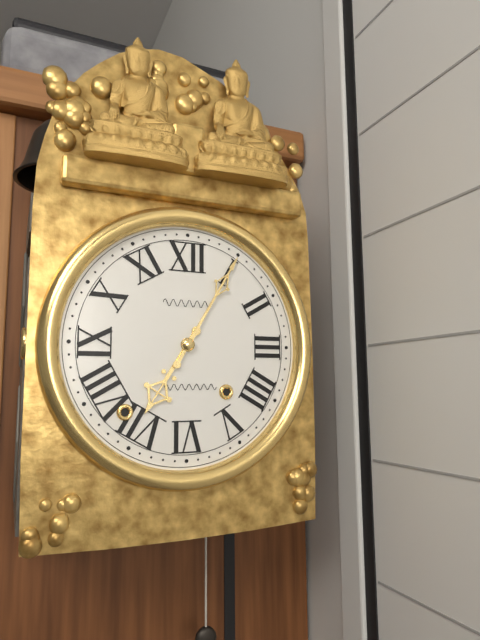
7:05
